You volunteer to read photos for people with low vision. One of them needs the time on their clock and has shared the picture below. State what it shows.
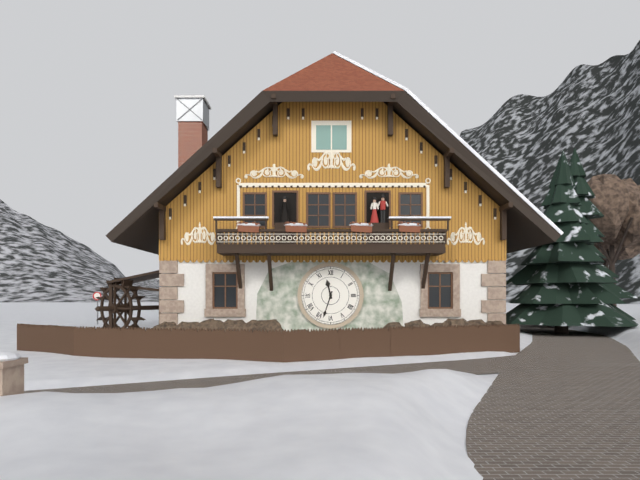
11:33
